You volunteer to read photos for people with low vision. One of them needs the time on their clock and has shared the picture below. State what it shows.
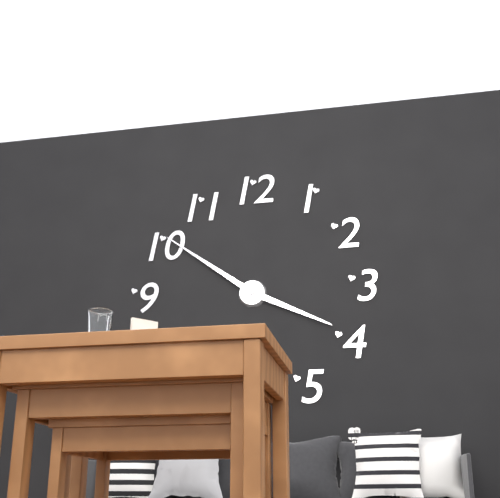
3:51
